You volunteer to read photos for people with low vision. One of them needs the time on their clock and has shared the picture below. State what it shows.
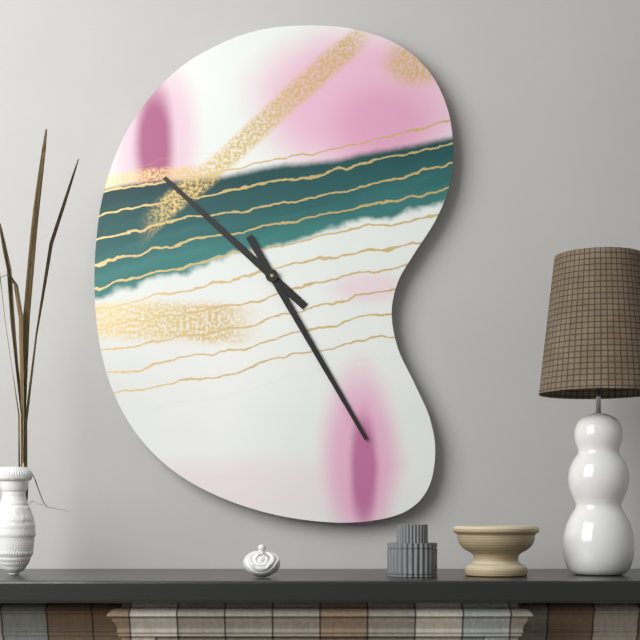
10:25
